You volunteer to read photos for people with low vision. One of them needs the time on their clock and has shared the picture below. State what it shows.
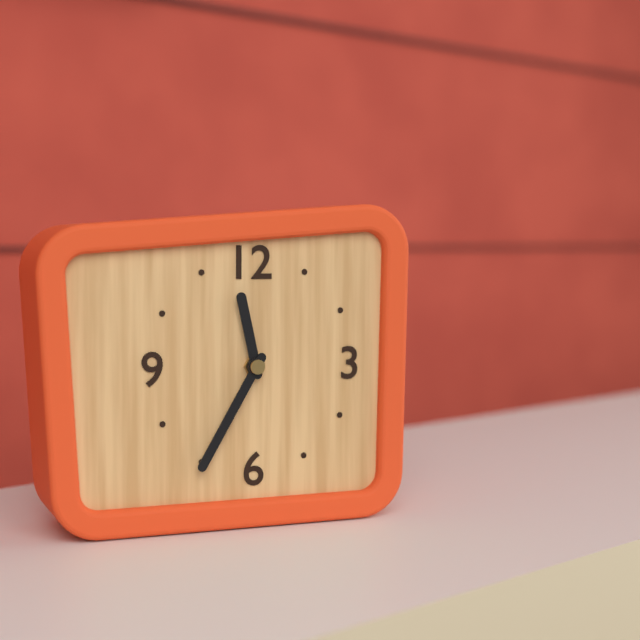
11:35
